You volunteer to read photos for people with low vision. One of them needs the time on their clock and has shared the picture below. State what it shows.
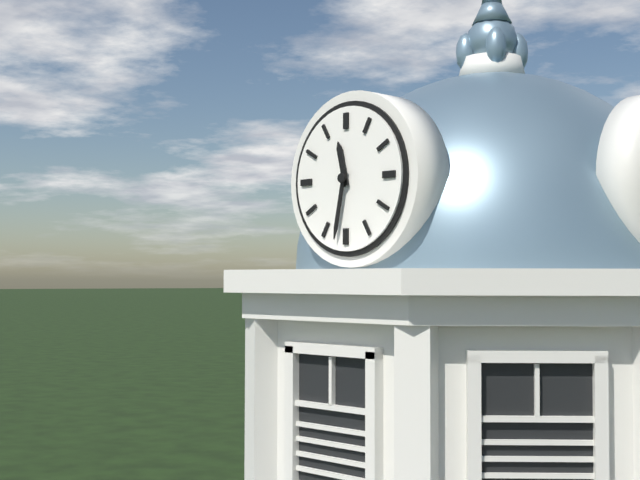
11:32
